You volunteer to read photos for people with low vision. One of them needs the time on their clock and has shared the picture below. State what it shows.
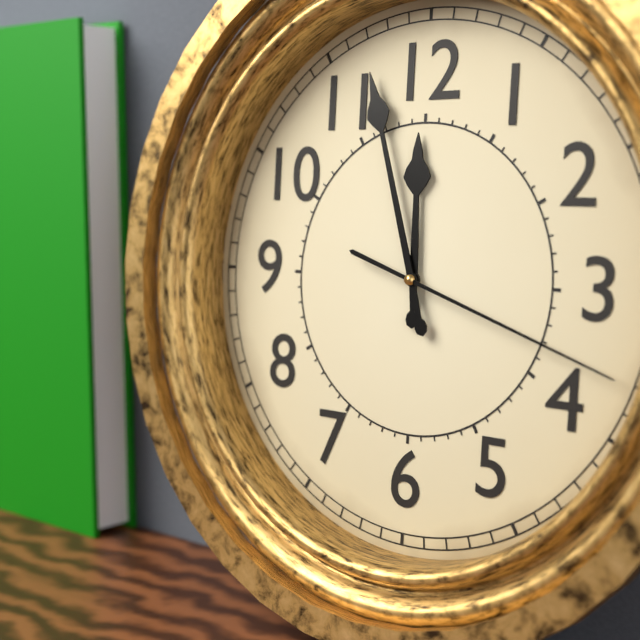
11:57:18
